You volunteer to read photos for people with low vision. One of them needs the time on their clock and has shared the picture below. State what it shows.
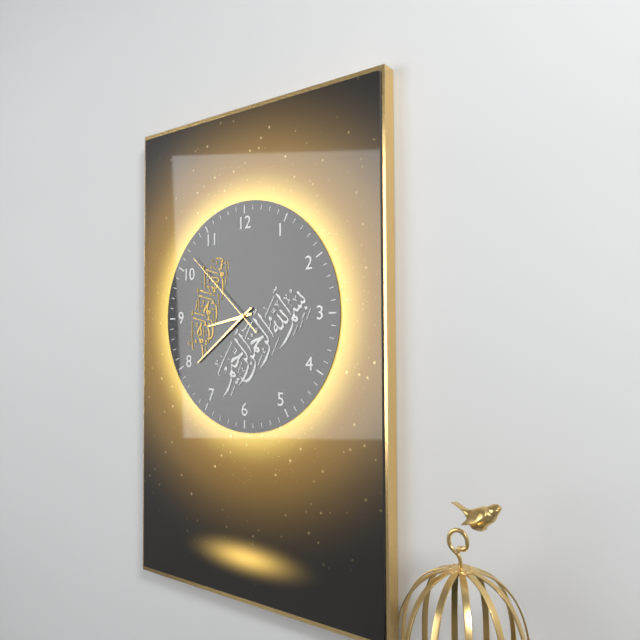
8:39:52
